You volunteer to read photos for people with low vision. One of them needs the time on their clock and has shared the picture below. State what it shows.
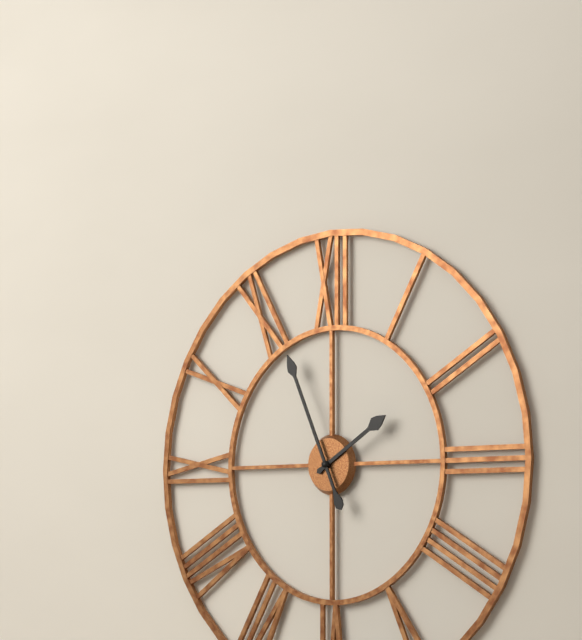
1:56
